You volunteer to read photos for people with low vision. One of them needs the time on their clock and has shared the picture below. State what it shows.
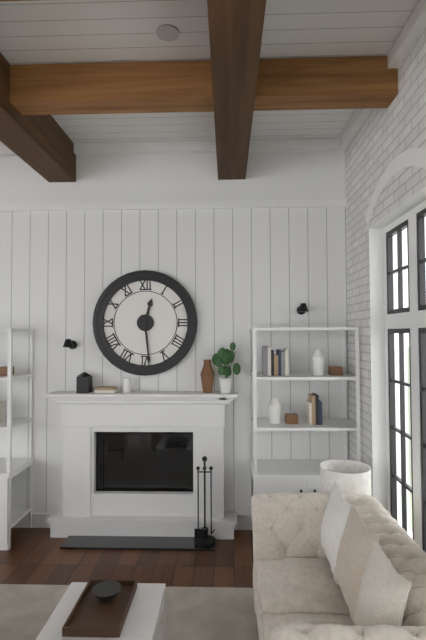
12:29
